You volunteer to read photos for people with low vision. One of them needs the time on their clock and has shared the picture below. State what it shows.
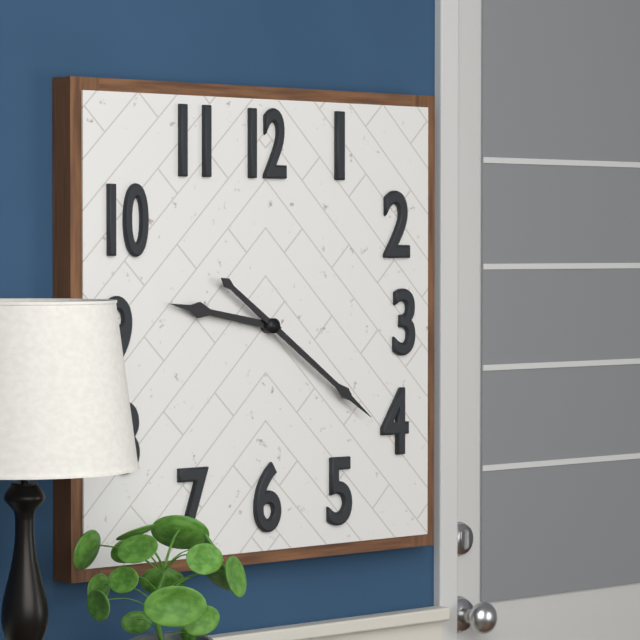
9:21
